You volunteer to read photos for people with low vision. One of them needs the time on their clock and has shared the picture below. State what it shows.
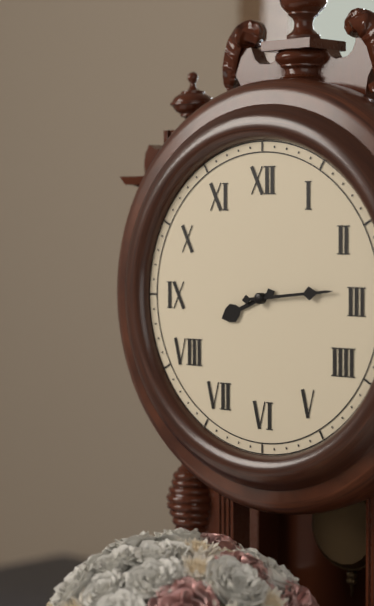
8:14
